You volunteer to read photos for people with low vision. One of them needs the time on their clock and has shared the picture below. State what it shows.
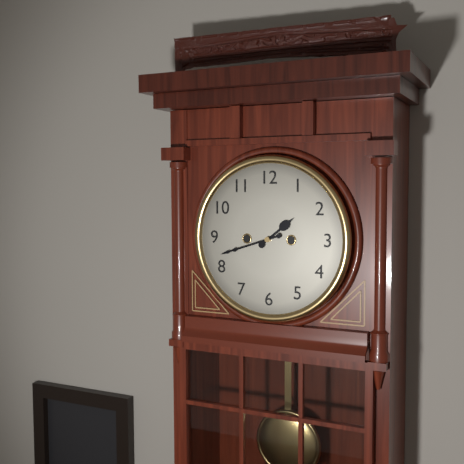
1:42
